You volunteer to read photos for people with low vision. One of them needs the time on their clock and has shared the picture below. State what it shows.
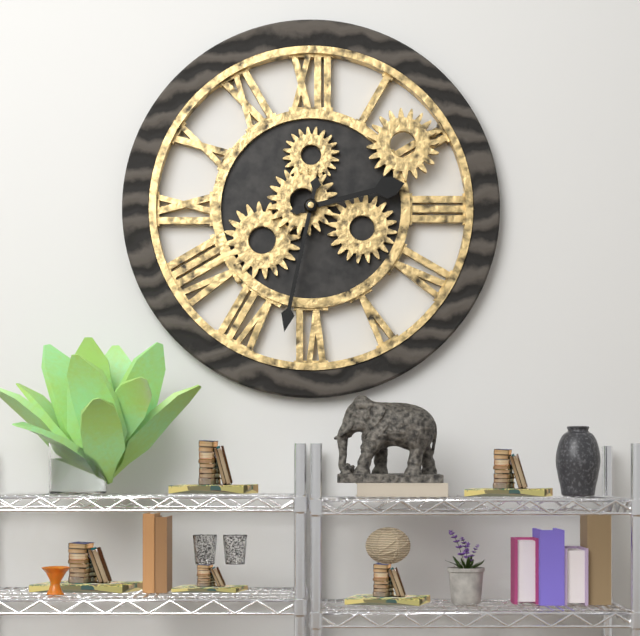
2:32
